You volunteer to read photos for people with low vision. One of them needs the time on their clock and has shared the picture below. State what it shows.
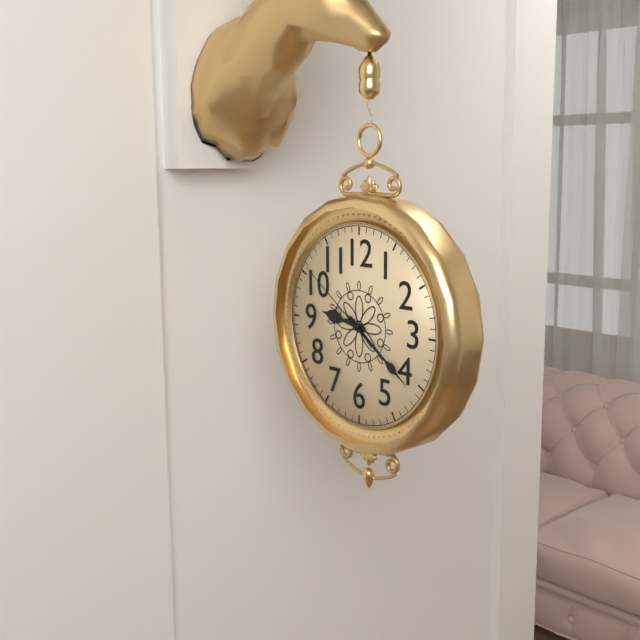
9:21:51
